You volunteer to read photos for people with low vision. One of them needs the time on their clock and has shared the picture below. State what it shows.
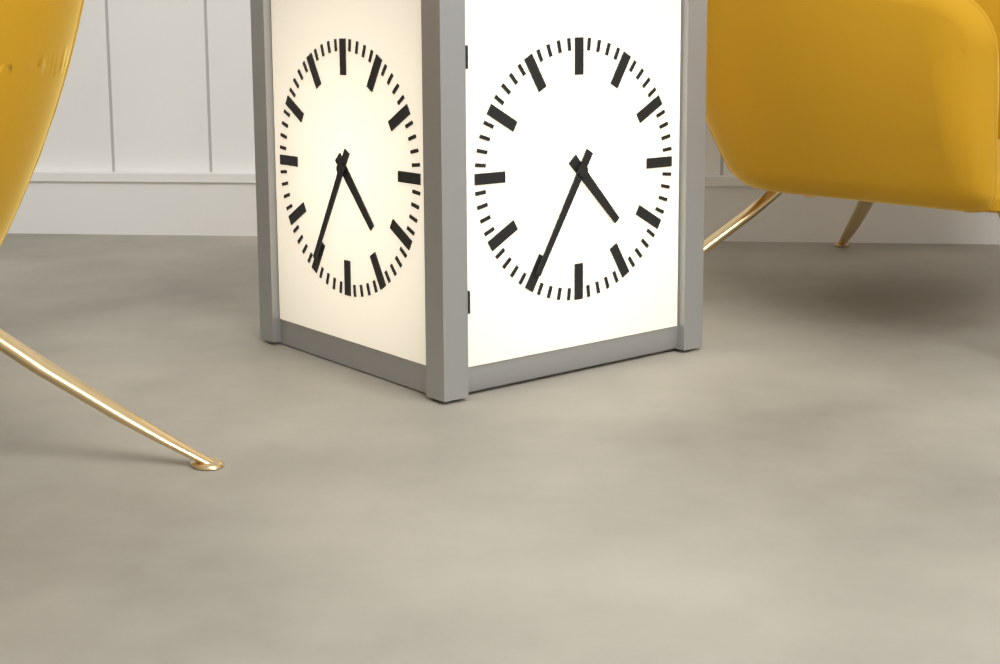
4:35
